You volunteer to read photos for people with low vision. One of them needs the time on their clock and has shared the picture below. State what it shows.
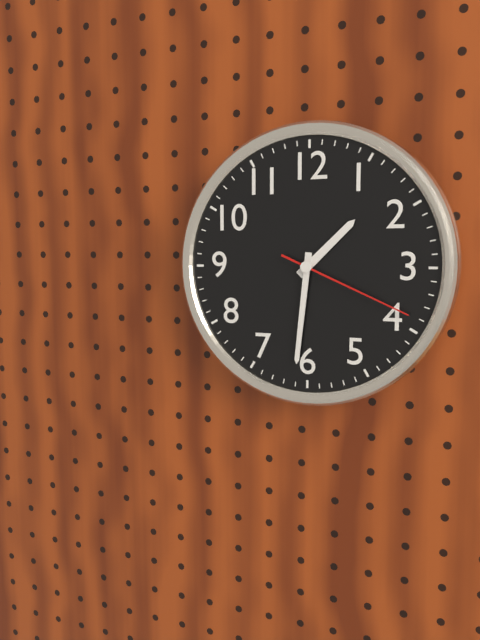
1:31:19
